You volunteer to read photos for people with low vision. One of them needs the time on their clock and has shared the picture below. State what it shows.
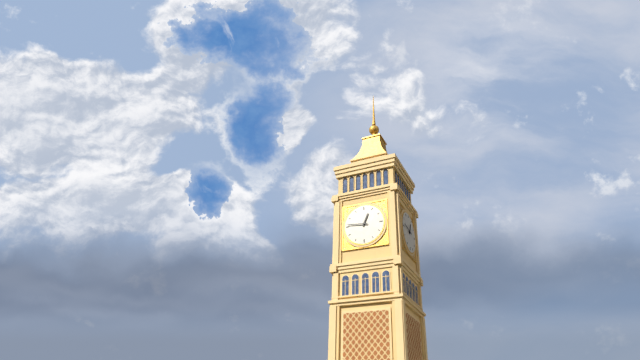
12:46
